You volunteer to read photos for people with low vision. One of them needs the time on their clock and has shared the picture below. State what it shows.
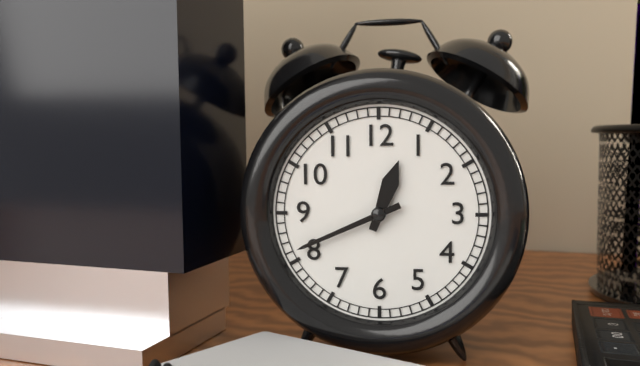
12:41
